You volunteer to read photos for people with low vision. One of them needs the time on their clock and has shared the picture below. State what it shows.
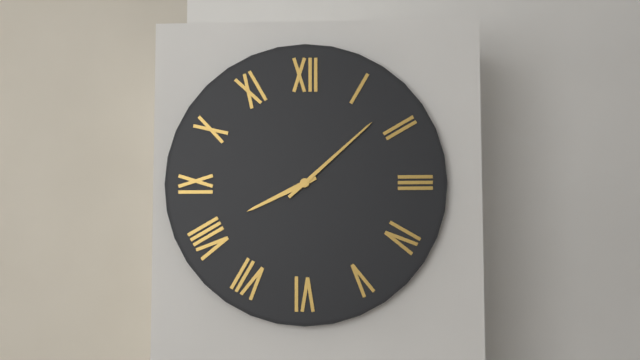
8:08
